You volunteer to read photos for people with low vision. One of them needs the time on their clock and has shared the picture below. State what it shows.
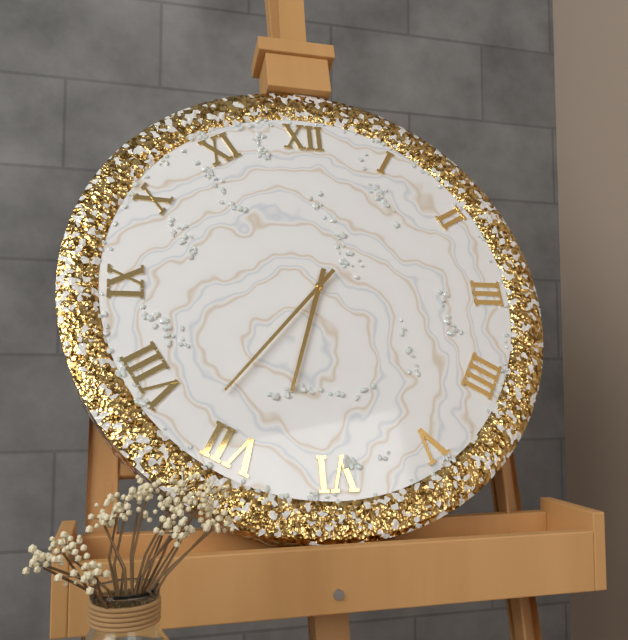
6:37
